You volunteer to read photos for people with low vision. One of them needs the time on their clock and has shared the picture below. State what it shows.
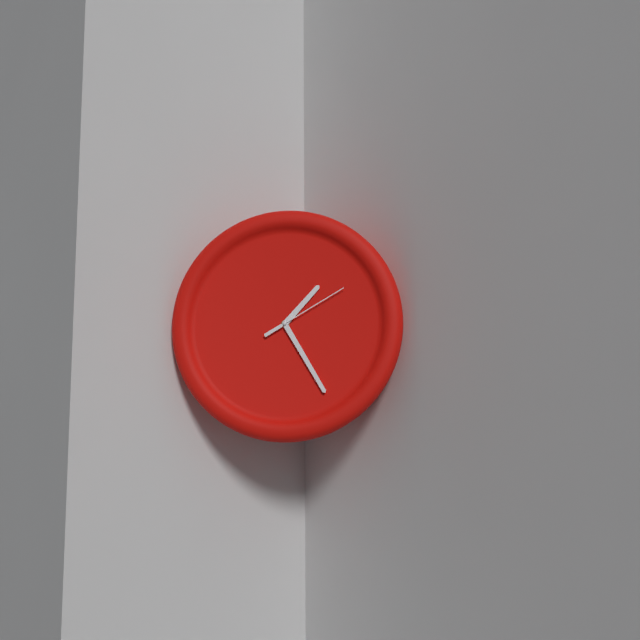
1:25:10
